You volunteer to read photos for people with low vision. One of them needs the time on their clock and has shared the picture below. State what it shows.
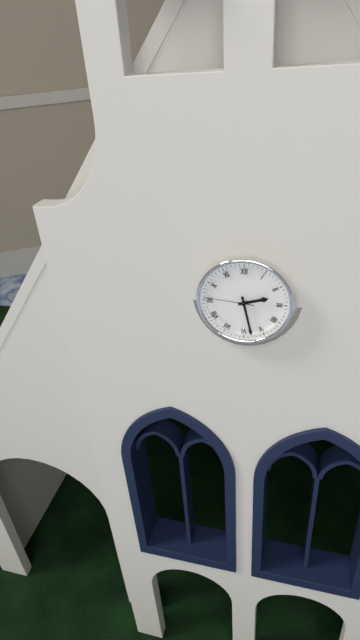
2:28:46
